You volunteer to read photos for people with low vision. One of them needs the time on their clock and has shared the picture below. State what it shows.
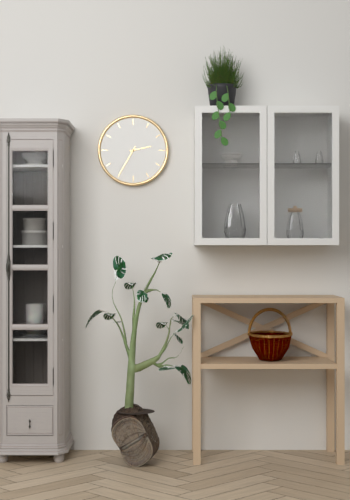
2:35
